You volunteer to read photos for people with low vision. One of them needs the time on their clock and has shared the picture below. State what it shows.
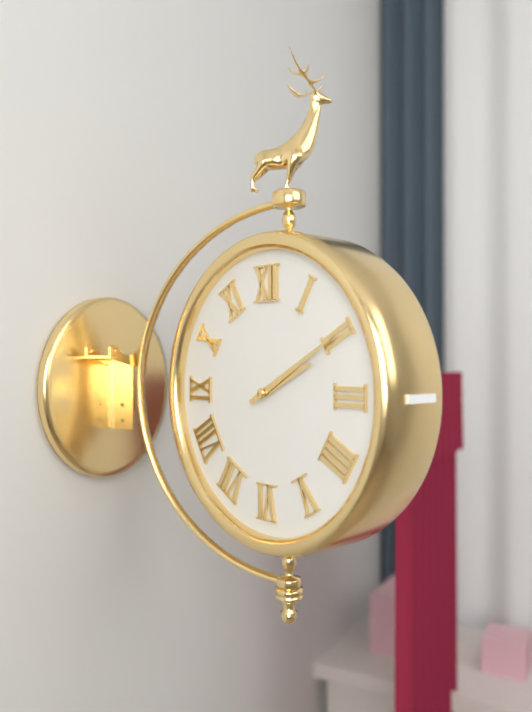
2:10
